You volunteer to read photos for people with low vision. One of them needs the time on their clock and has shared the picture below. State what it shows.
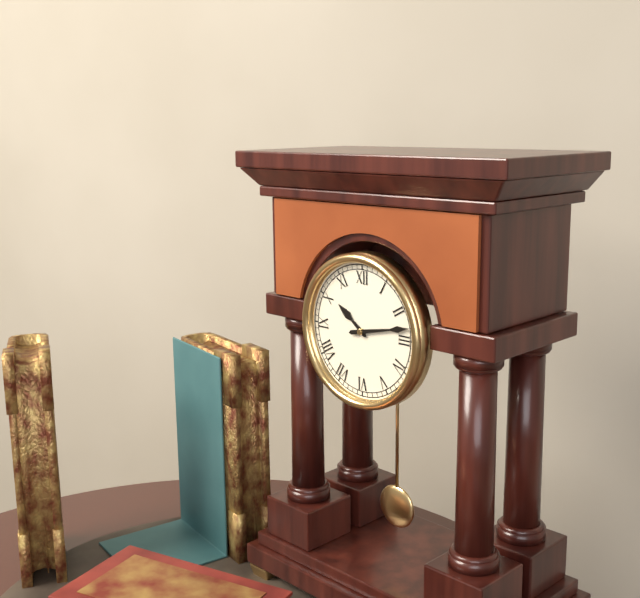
10:13
